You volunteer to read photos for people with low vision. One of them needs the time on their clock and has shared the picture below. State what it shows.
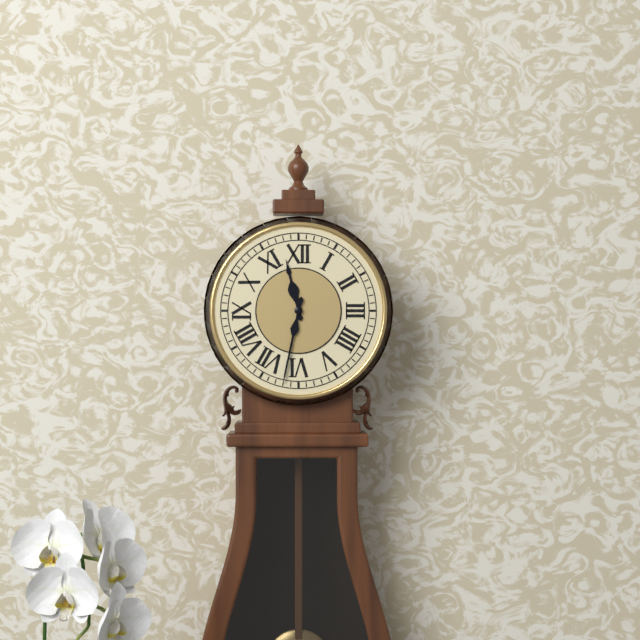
11:32
